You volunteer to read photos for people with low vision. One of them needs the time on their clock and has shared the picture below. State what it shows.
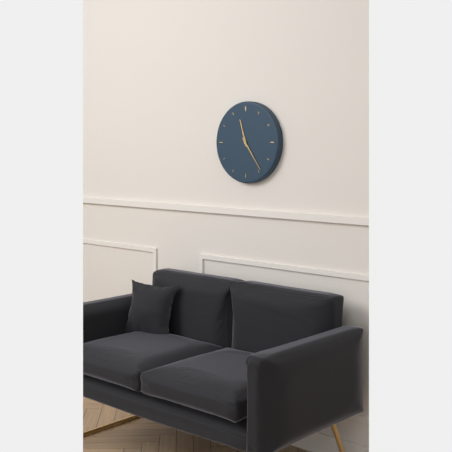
11:24
